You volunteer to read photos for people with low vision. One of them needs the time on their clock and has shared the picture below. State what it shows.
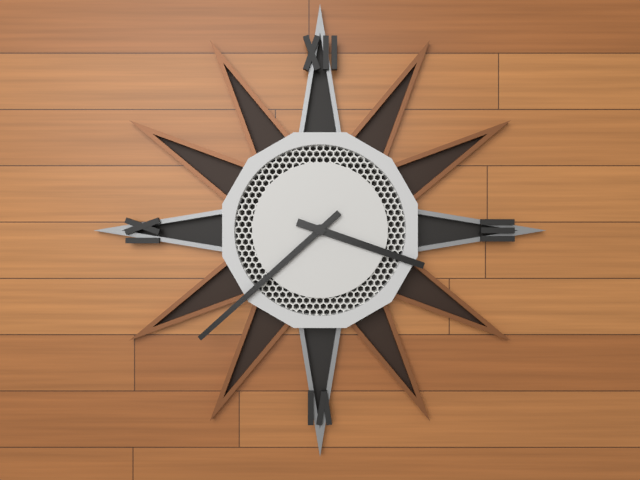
3:38
